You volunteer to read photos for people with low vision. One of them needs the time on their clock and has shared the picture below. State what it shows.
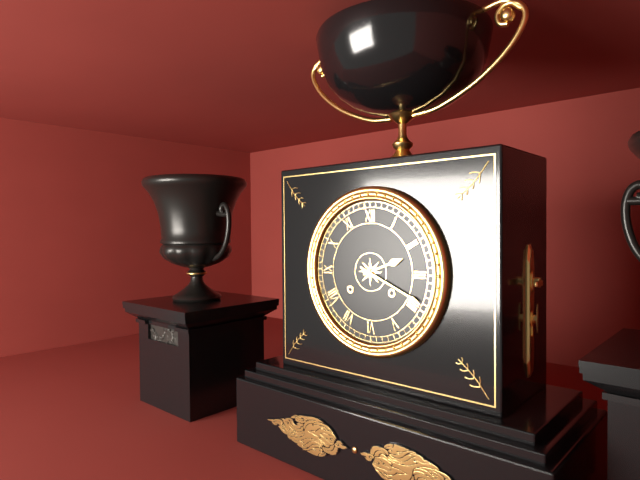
2:19
